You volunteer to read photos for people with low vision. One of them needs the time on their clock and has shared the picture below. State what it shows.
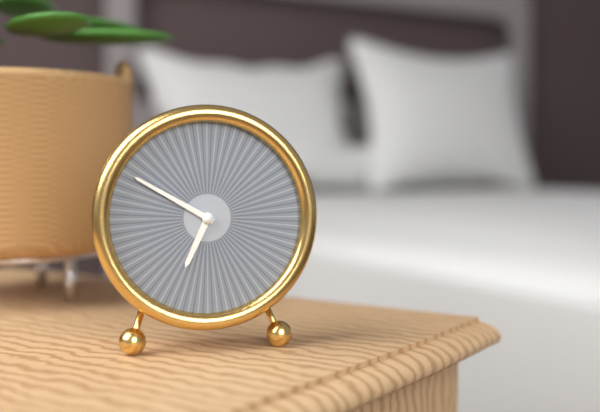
6:50
